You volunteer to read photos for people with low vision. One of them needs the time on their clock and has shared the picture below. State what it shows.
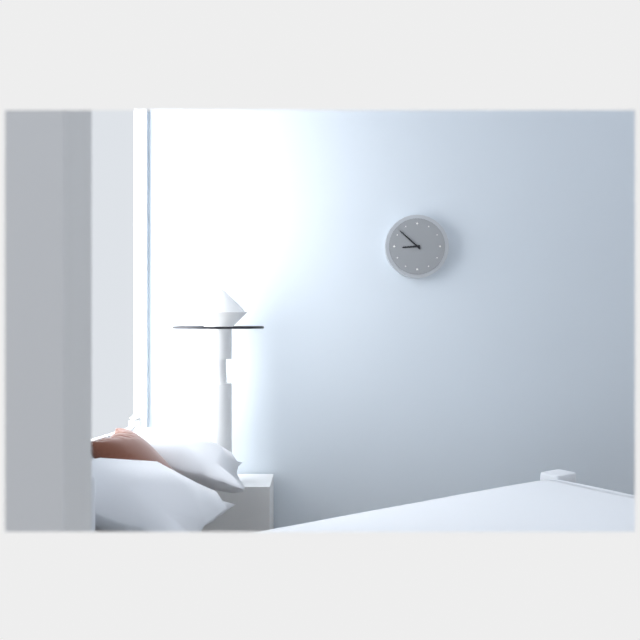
8:52
